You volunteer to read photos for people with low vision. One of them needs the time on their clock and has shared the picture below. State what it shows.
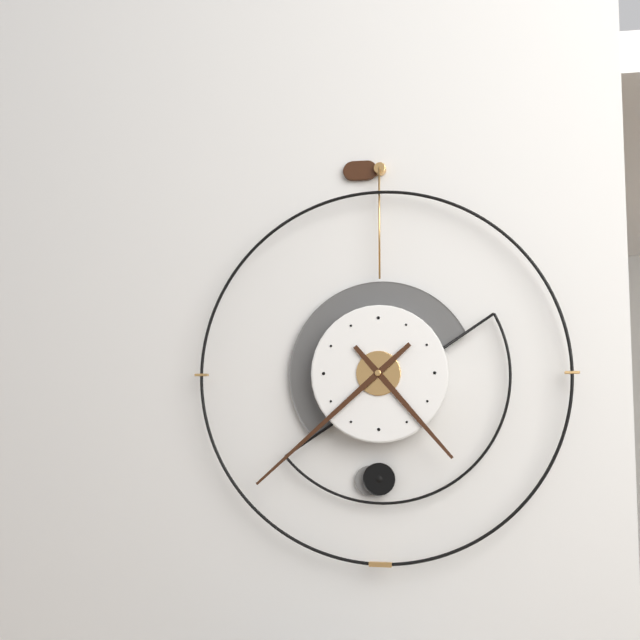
4:38
